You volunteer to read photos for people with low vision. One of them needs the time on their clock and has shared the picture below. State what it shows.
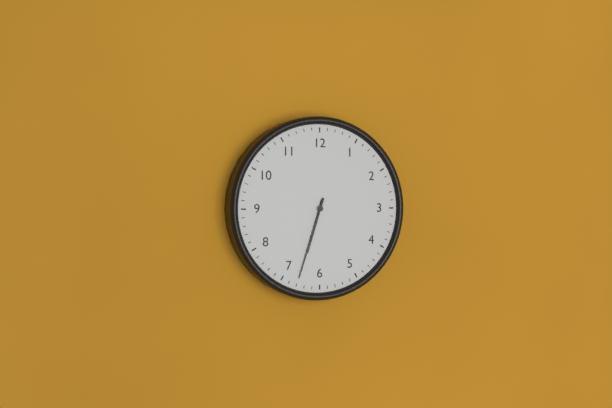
6:33
